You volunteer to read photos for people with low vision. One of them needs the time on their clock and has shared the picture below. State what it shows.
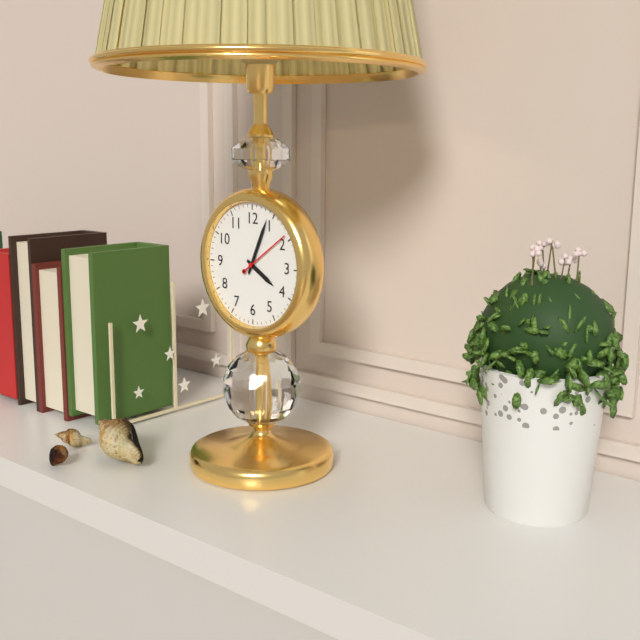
4:04
